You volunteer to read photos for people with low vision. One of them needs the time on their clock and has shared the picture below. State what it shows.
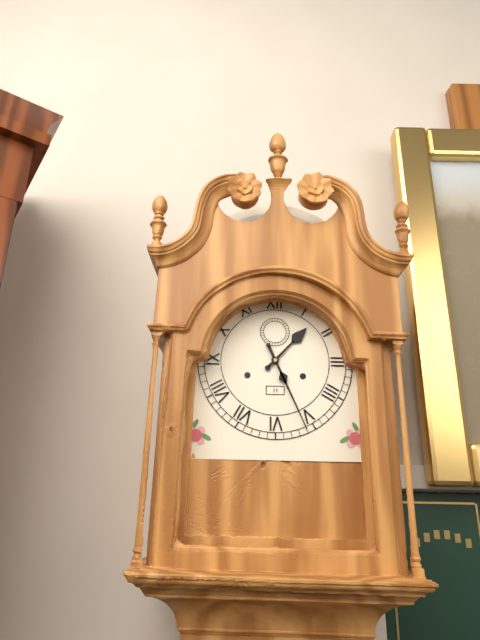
1:26
